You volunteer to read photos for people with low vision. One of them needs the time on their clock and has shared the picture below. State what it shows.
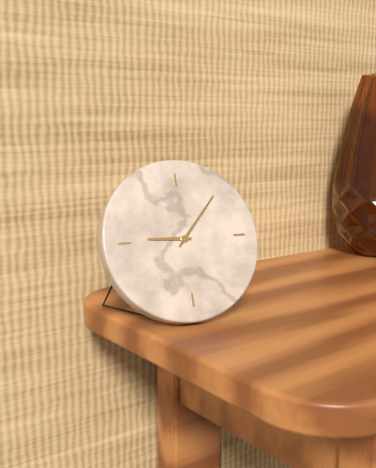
9:07
